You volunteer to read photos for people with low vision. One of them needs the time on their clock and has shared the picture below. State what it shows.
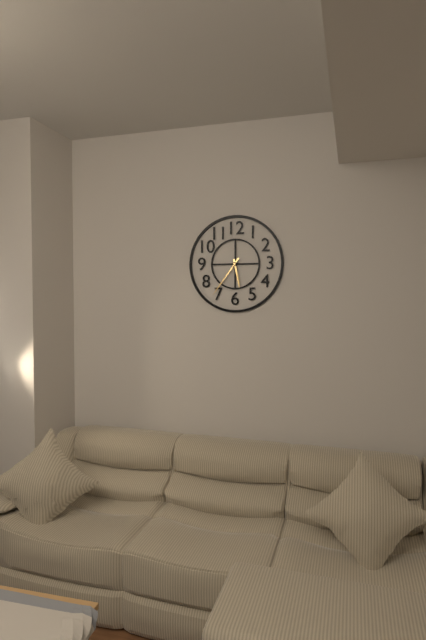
5:36
